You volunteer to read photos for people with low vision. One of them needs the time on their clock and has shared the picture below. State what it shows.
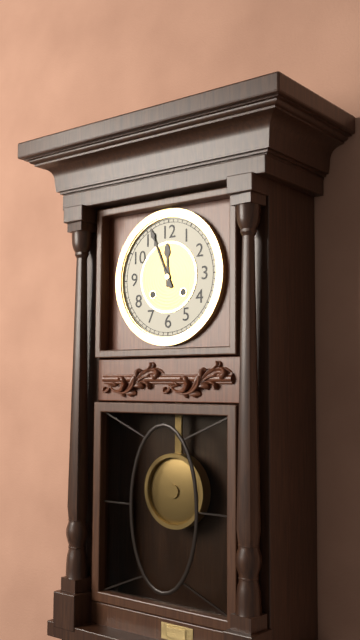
11:56
